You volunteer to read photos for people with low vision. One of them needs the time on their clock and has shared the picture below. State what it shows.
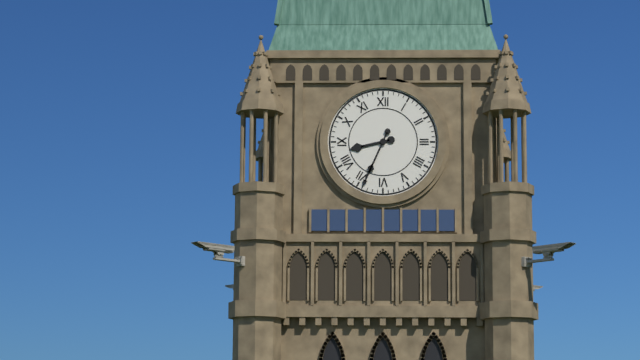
8:34
